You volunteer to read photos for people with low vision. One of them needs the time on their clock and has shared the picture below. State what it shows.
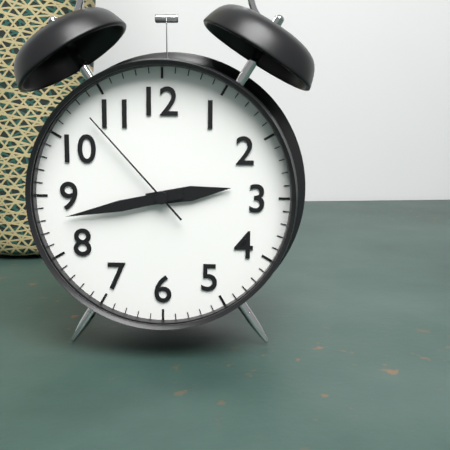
2:43:53
